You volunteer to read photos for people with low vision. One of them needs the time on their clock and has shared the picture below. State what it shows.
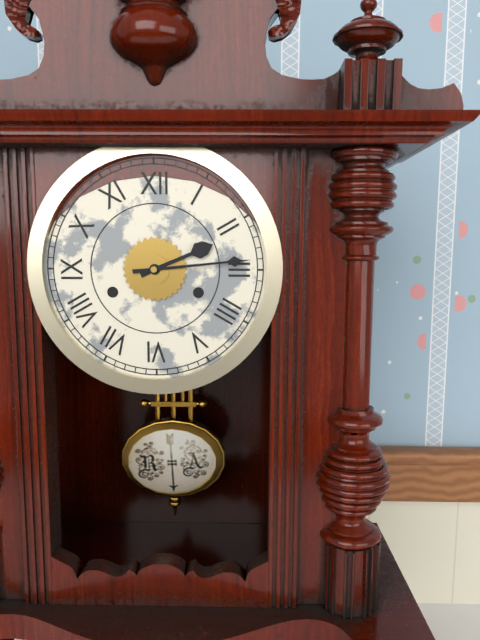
2:14
